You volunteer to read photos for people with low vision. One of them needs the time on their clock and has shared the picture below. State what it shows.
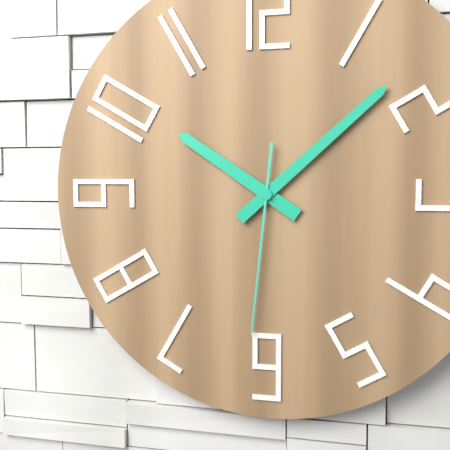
10:08:31
